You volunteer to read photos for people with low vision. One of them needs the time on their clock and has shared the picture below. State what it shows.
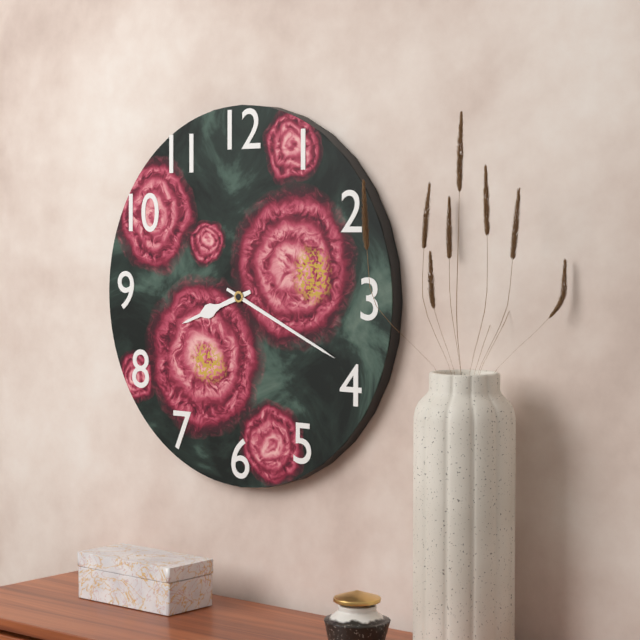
8:19
